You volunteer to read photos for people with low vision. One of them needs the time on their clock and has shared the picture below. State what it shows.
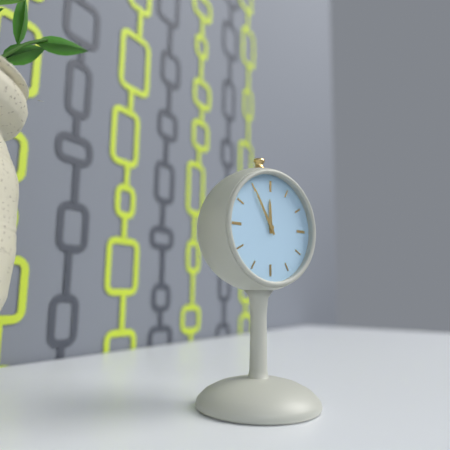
11:55
